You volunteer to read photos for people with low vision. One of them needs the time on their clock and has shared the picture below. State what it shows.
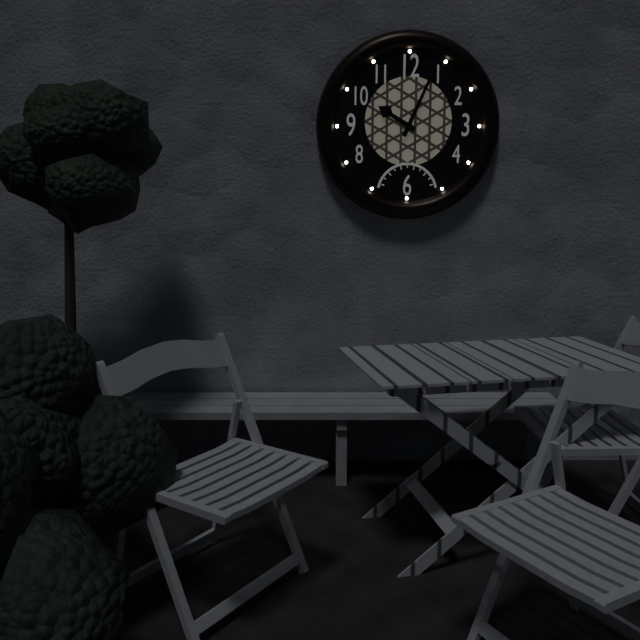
10:04
